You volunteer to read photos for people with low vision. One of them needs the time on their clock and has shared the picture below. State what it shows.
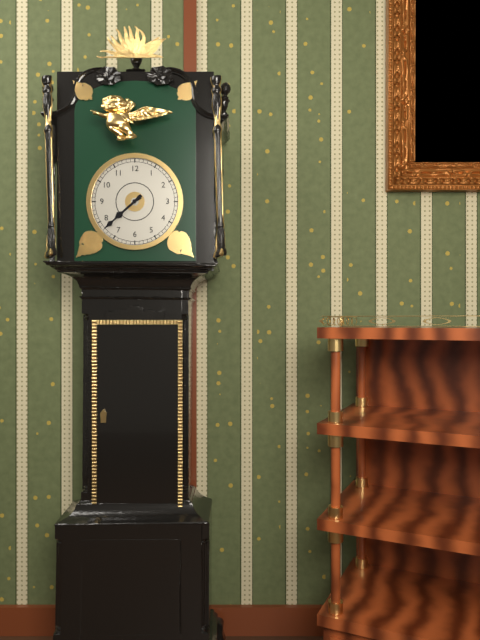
7:38
